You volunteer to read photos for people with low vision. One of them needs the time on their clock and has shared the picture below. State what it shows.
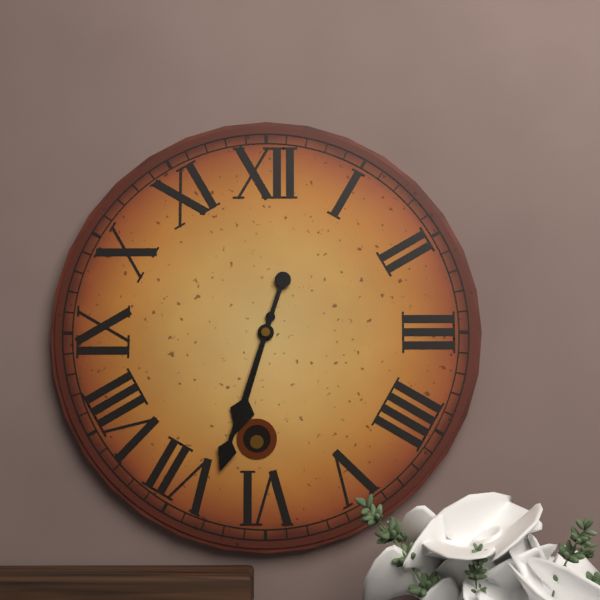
6:33
